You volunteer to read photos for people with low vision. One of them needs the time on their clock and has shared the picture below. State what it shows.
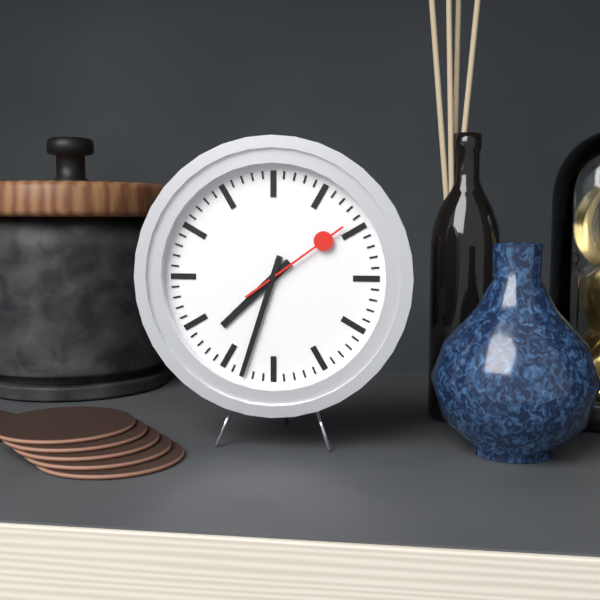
7:33:09
